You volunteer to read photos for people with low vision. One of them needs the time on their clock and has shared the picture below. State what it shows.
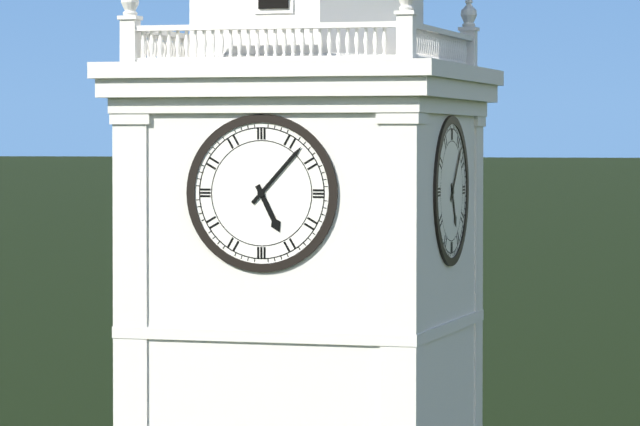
5:07
